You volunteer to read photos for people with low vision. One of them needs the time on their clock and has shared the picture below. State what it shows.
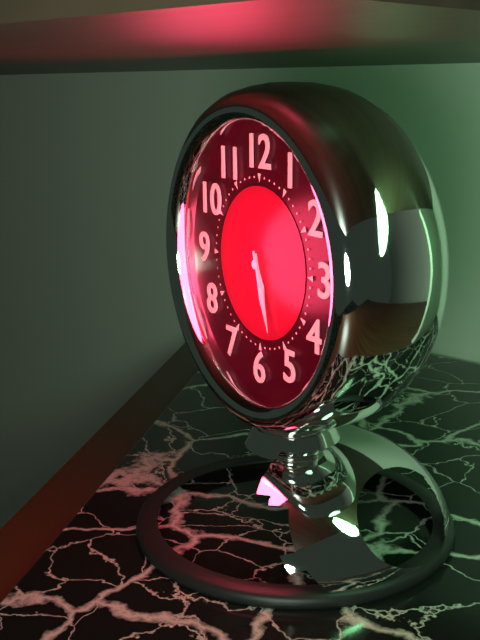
5:27
